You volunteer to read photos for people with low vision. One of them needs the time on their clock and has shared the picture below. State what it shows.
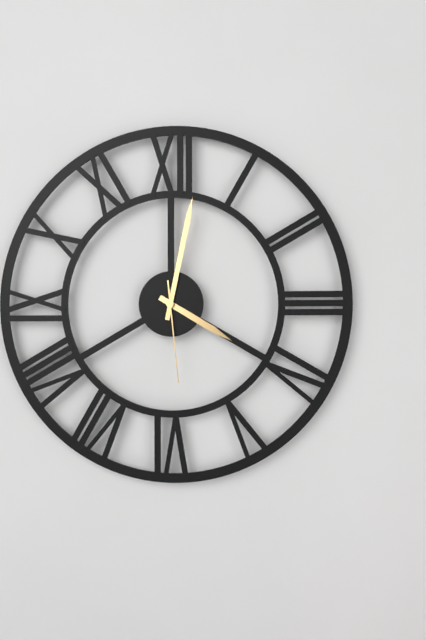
4:02:29
